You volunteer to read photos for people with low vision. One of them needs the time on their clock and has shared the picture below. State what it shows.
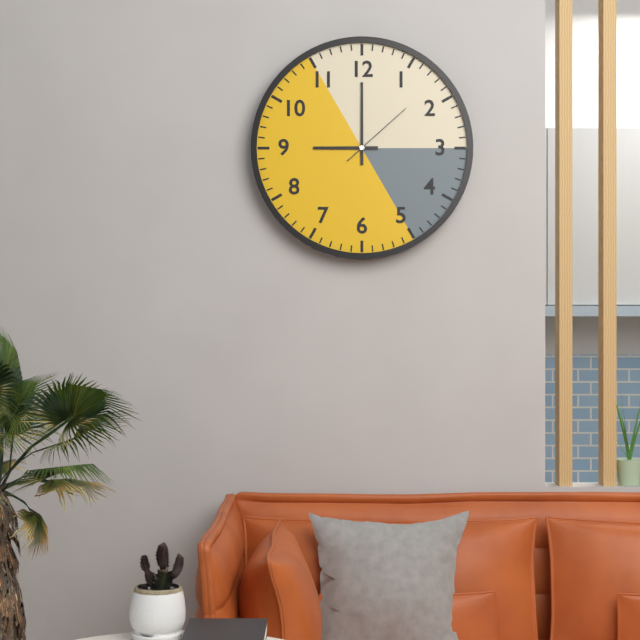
9:00:08
